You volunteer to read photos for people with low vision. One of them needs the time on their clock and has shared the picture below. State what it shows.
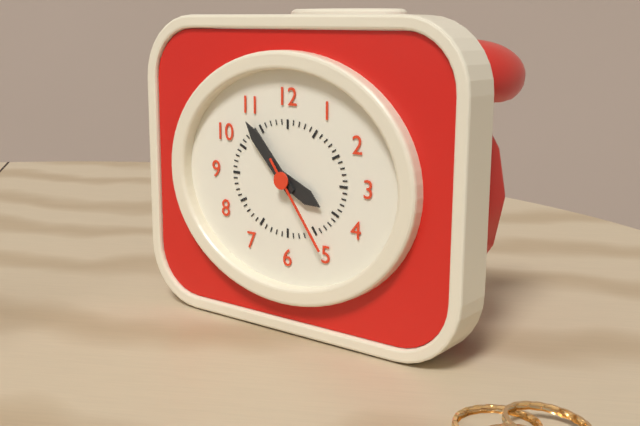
3:53:24
